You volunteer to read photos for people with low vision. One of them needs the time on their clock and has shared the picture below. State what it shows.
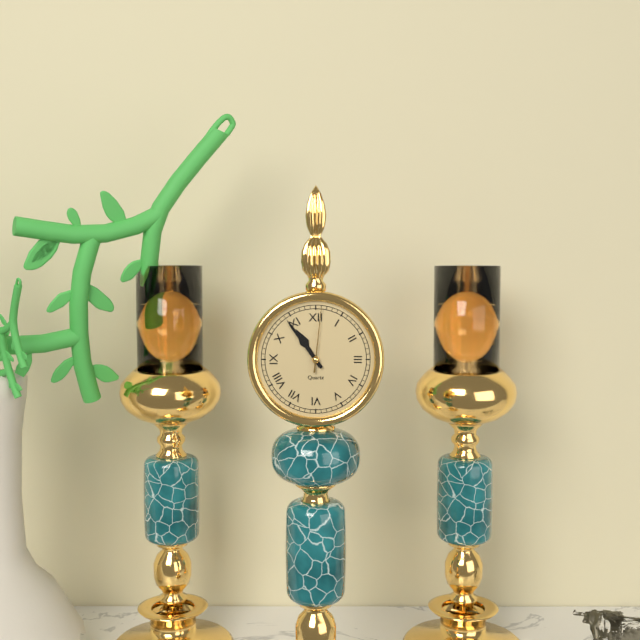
10:54:01
